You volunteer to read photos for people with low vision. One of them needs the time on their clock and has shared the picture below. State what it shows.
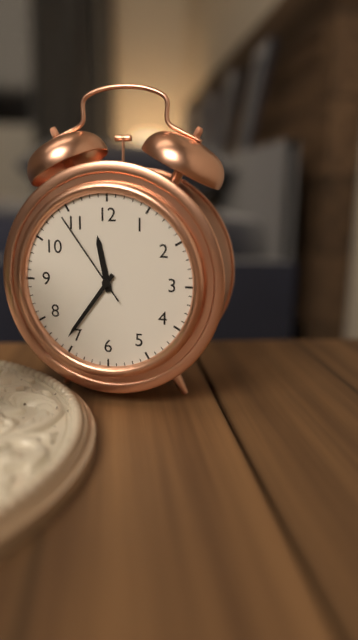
11:36:54
